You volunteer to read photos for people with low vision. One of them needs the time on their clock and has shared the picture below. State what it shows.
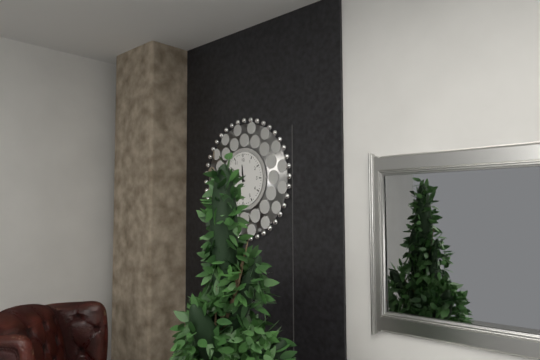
11:51
